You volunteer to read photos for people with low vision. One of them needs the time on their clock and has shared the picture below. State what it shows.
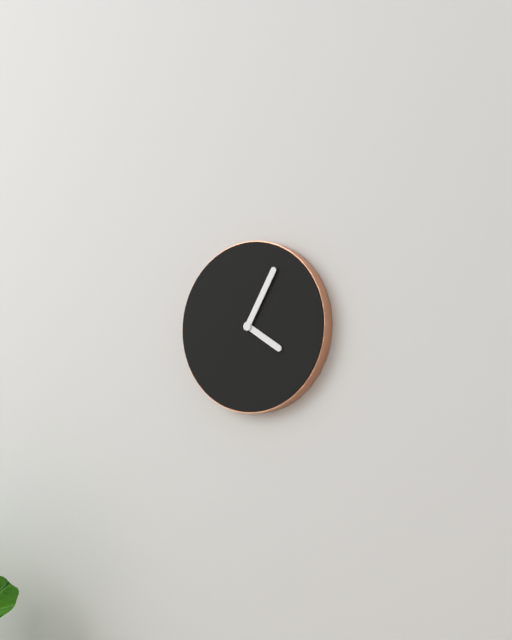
4:05
